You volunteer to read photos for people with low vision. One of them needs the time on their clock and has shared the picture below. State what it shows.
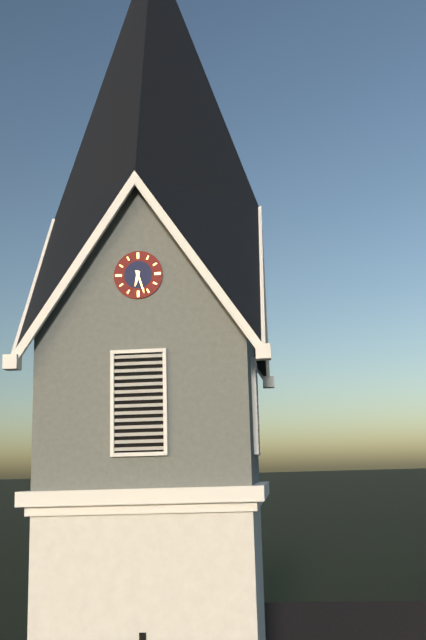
6:27
